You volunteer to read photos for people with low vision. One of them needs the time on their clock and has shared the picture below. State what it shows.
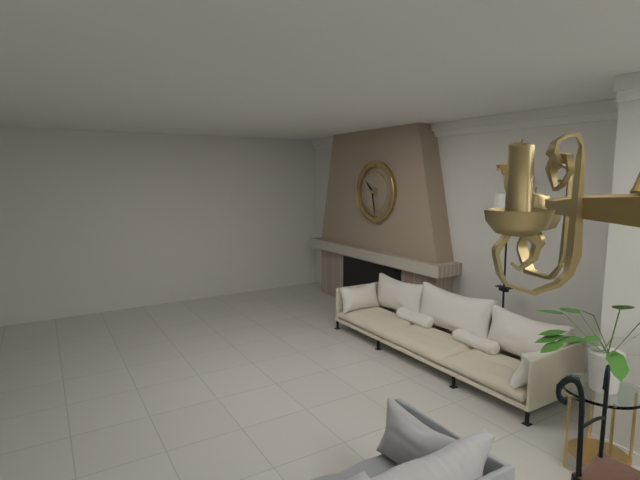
10:28
